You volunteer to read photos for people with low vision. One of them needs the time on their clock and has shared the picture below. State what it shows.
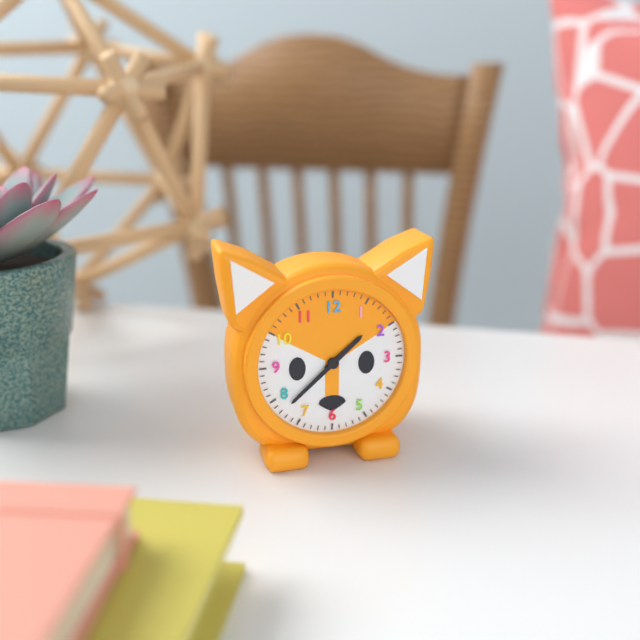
1:38
